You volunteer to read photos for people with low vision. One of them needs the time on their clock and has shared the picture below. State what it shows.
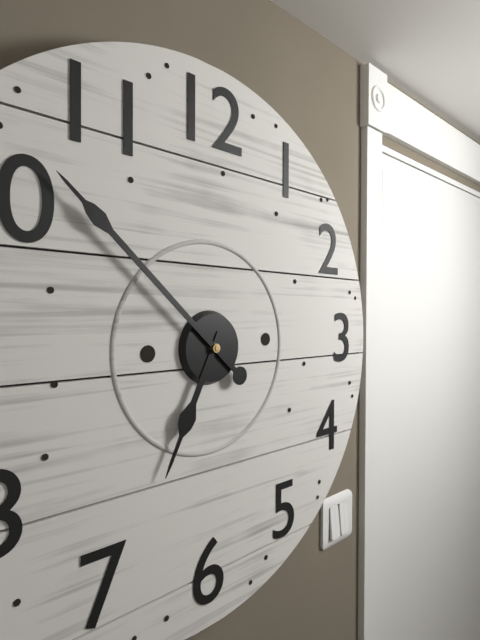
6:52
